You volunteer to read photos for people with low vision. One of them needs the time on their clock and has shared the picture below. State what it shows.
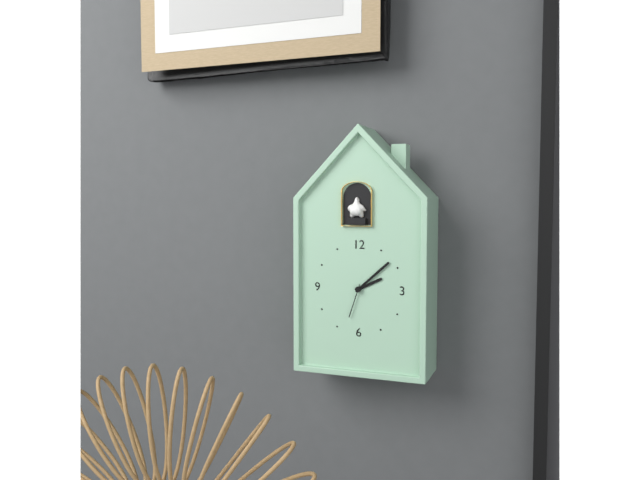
2:08
